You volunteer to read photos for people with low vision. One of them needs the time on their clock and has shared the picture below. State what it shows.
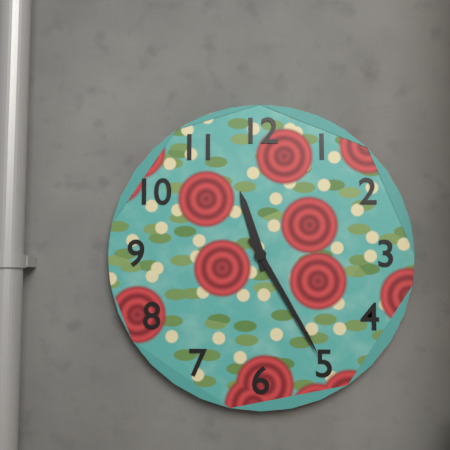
11:25
